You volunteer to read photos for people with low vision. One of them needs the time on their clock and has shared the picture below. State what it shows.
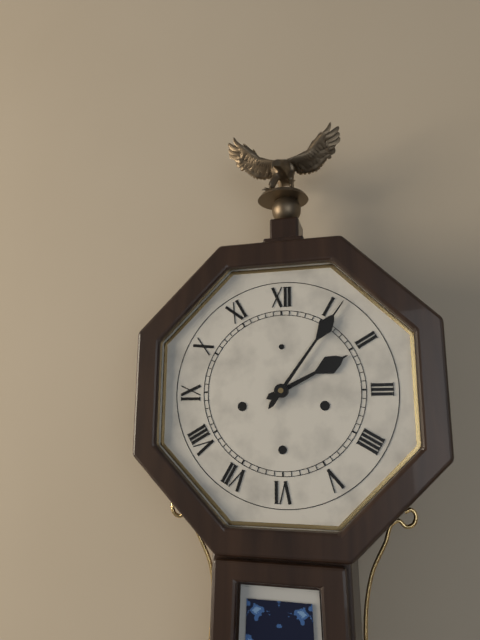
2:06
